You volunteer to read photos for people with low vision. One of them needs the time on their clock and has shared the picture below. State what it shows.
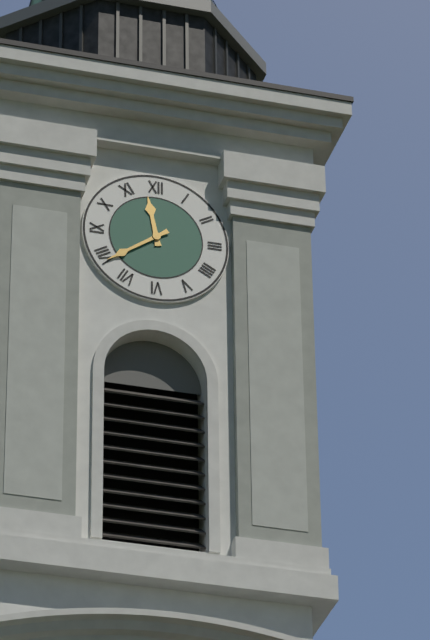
11:39
